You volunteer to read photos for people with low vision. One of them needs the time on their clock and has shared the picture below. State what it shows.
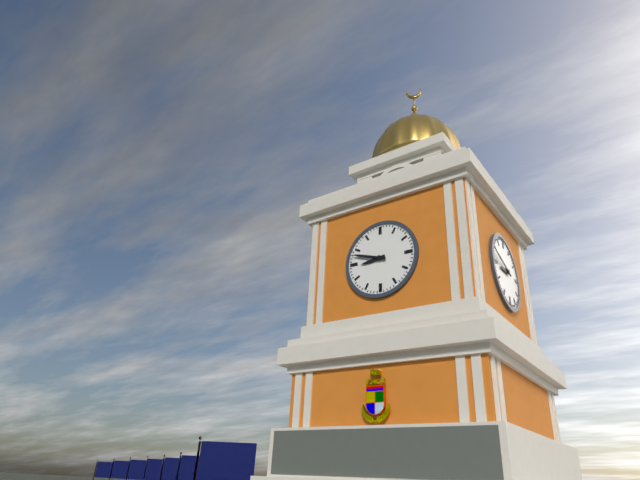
8:48
